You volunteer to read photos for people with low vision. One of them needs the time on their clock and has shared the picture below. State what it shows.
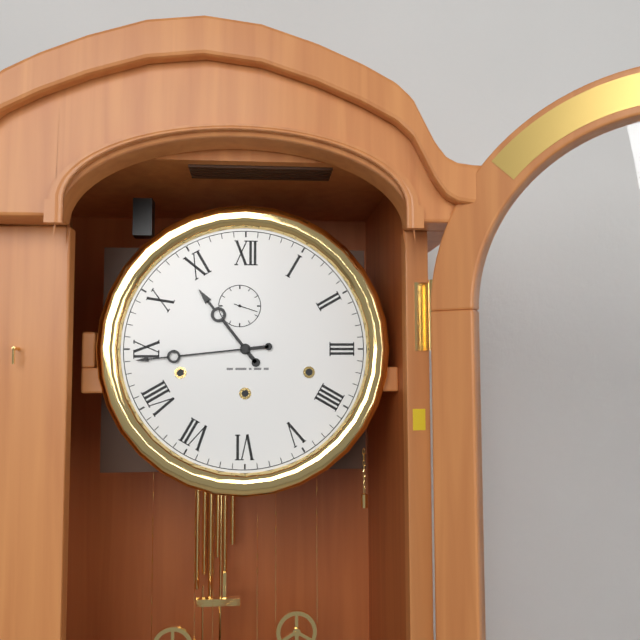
10:44
